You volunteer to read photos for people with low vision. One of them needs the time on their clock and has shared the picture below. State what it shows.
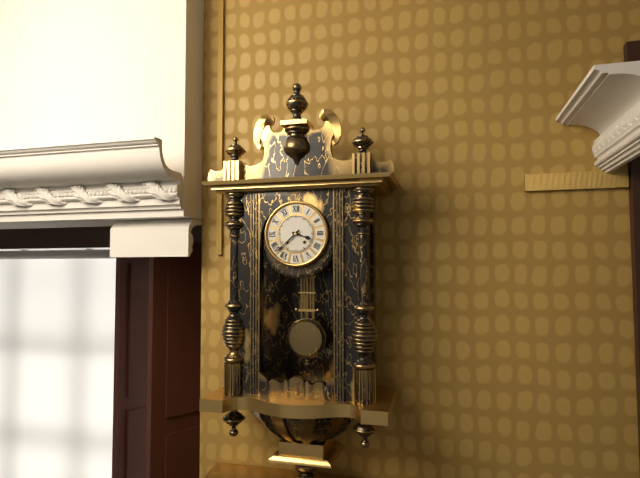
3:38
